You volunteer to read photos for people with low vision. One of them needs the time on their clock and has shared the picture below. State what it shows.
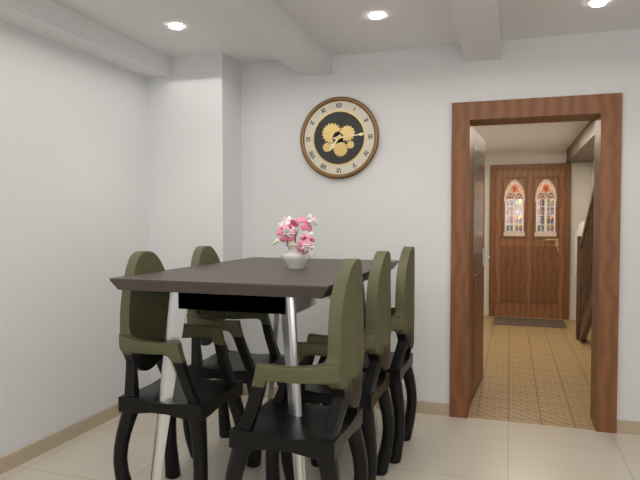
7:14
